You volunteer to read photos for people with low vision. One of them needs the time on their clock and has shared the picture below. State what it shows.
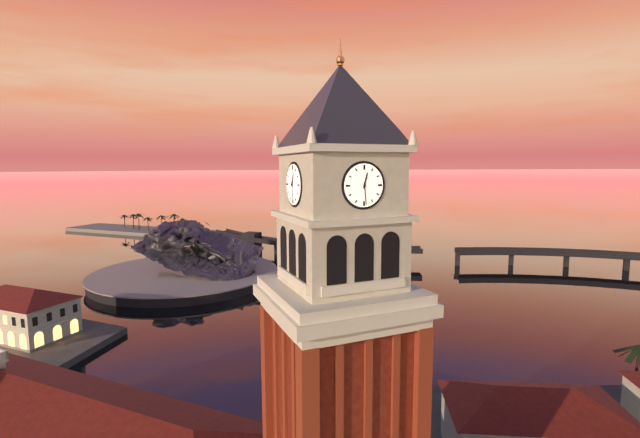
12:29
